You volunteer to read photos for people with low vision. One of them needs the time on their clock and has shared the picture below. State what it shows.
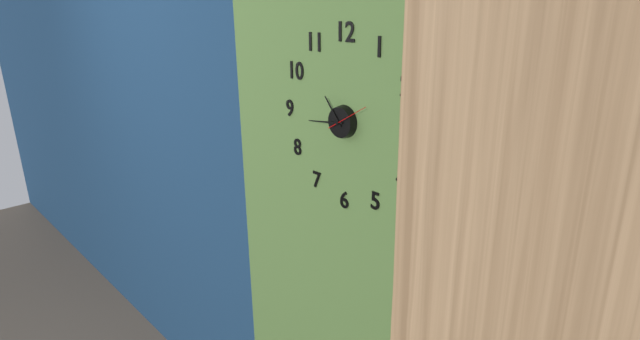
10:44
